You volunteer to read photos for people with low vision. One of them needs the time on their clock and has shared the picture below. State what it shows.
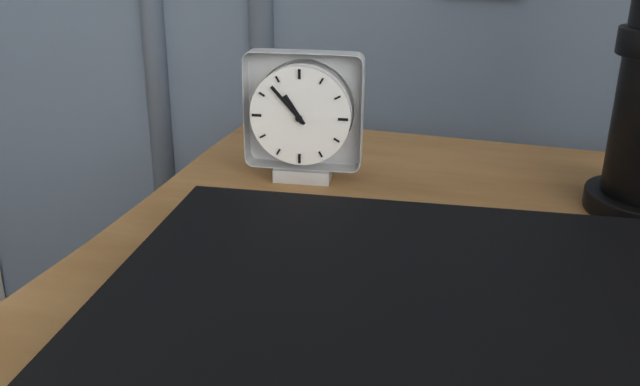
10:53
